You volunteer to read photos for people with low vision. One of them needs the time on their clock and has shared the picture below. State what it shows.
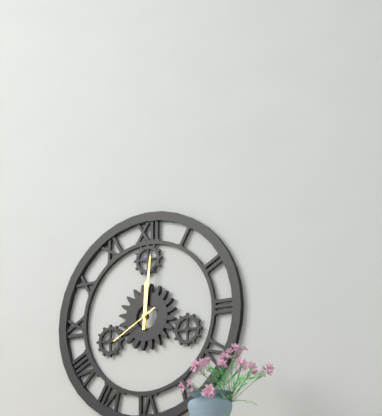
12:01:40
